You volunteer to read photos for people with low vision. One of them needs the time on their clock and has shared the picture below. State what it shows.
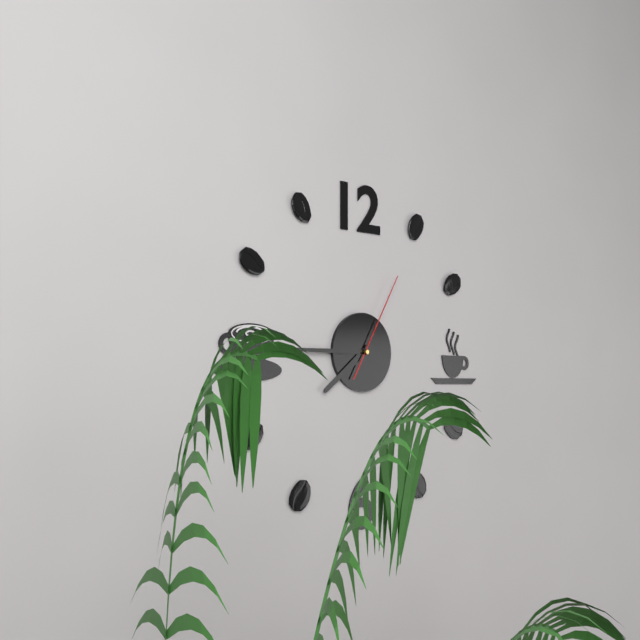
7:45:05
